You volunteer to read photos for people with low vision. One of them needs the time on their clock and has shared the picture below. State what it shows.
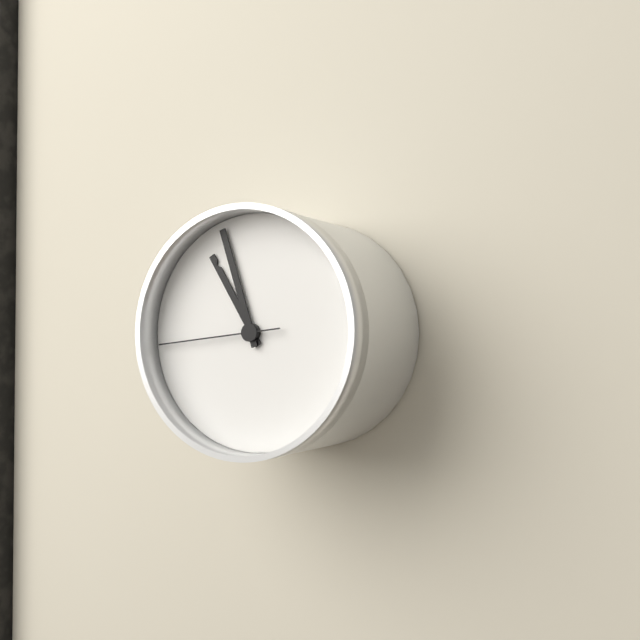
10:57:44
